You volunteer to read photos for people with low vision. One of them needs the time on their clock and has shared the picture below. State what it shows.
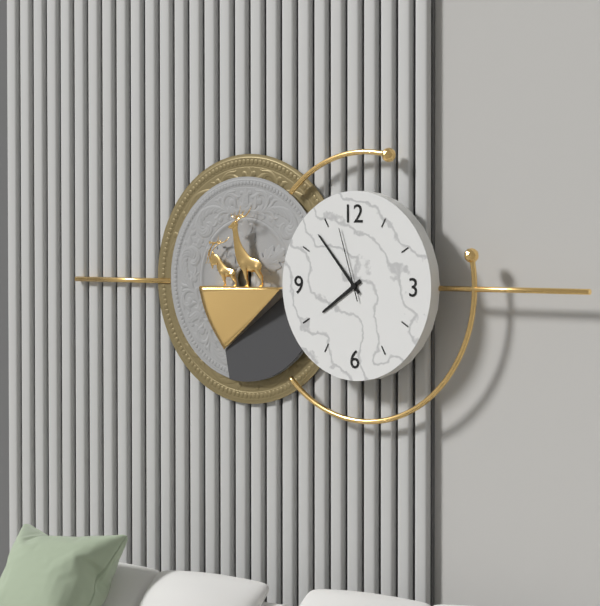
7:53:57
